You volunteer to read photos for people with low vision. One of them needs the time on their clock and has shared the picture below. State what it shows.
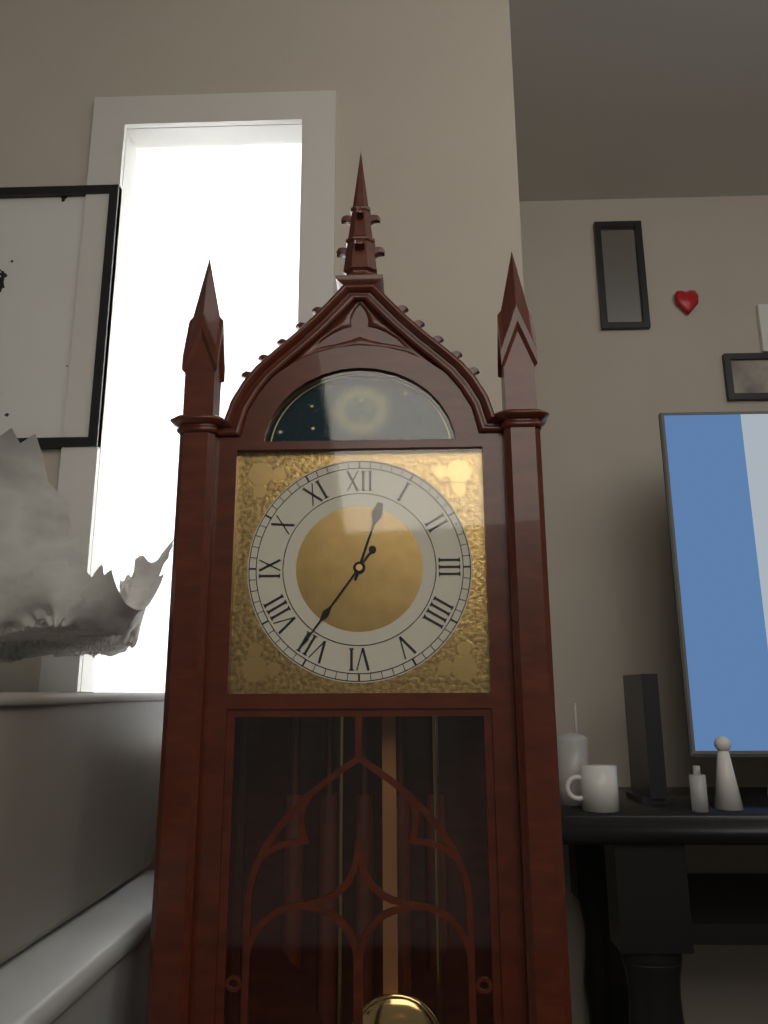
12:36
